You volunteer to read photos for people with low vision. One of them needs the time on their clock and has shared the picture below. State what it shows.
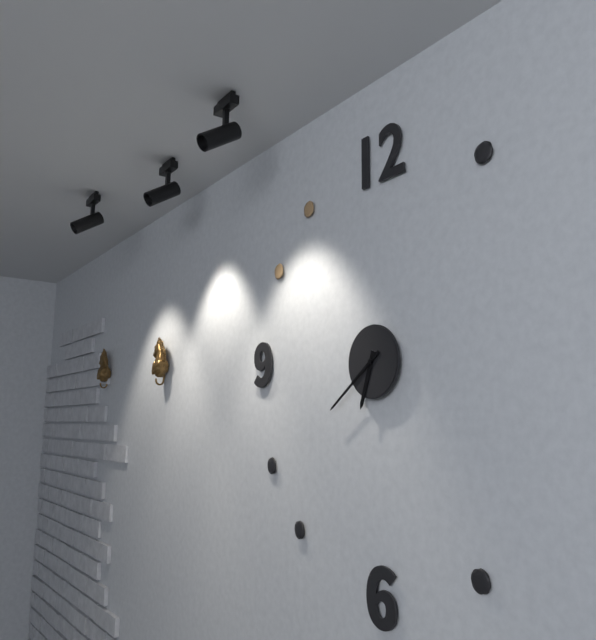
6:39
